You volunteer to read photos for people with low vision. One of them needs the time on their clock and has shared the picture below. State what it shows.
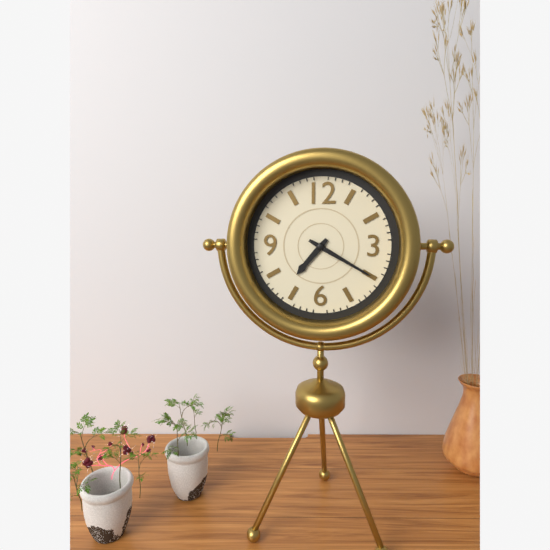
7:20
